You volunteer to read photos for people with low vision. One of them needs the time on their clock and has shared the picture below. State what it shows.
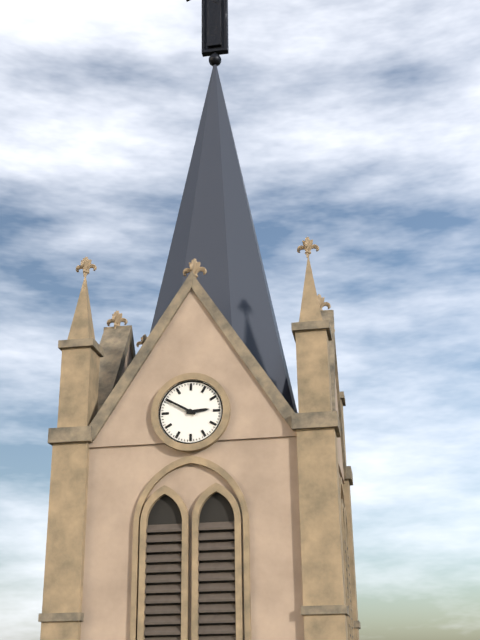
2:50
